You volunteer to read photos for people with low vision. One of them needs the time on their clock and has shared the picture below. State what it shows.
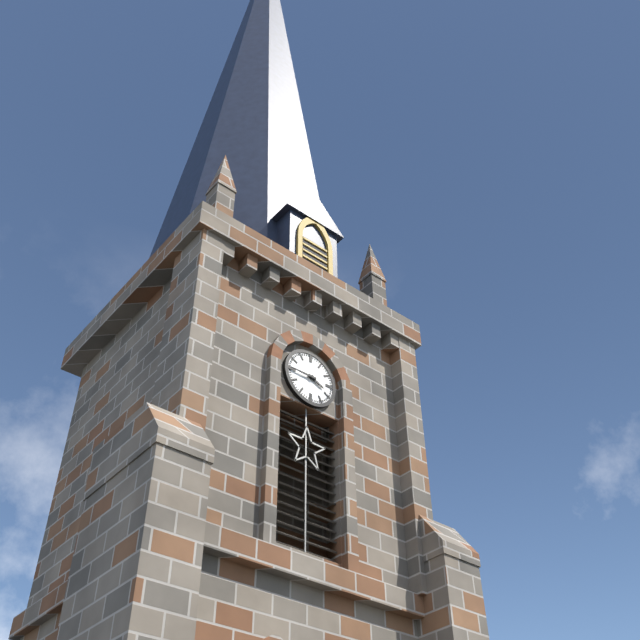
3:45
